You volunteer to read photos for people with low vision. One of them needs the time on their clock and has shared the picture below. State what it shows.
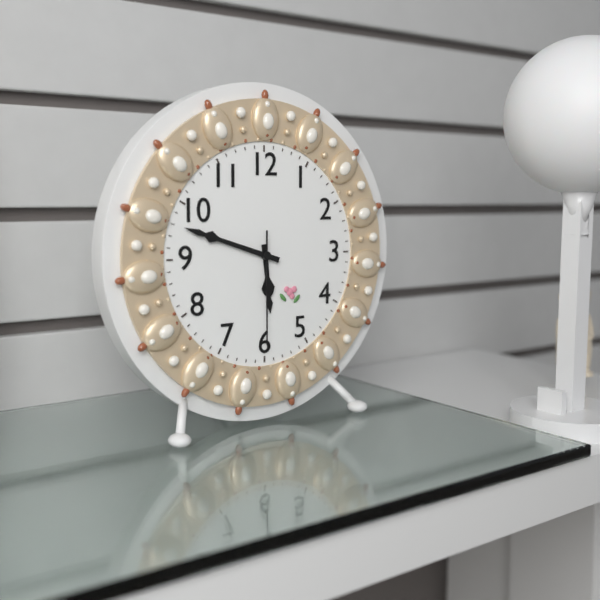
5:48:30
